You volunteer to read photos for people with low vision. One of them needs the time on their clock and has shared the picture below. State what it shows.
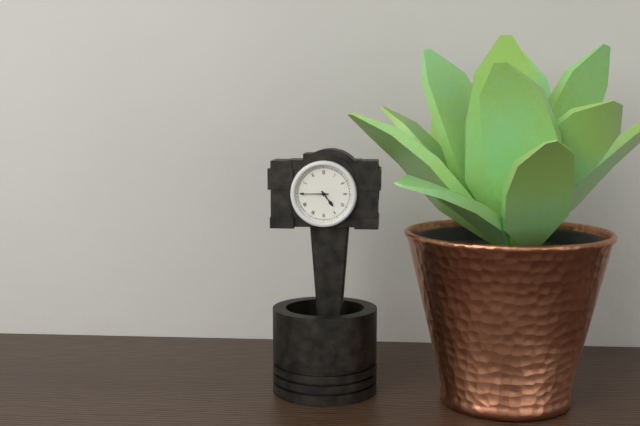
4:45
